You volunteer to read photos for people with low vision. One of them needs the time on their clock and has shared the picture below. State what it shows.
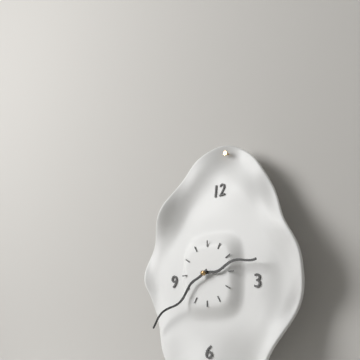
2:39
